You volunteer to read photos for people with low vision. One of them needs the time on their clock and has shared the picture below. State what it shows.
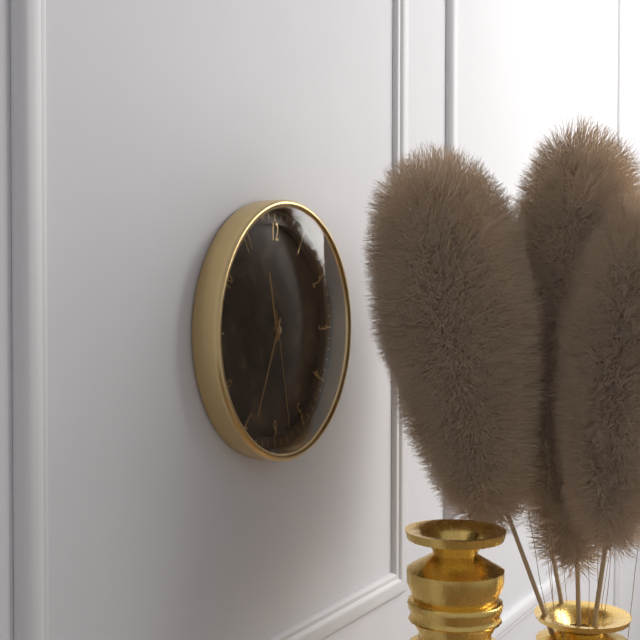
11:34:28
